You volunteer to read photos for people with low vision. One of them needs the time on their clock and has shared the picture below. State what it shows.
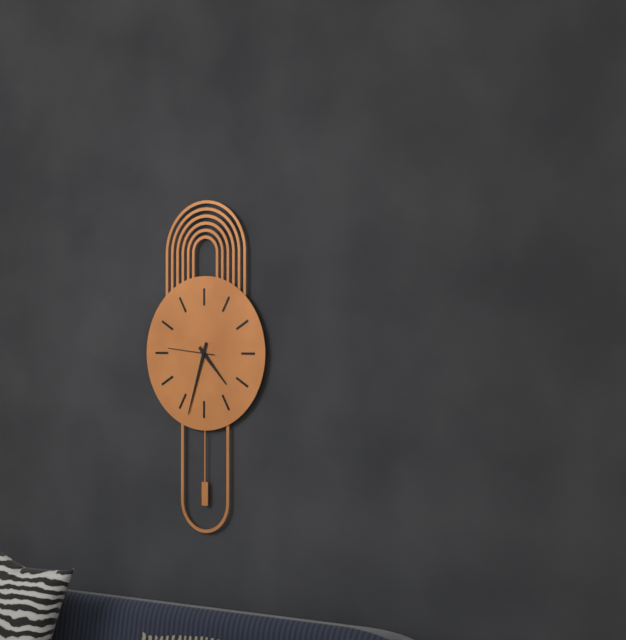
4:33:46
